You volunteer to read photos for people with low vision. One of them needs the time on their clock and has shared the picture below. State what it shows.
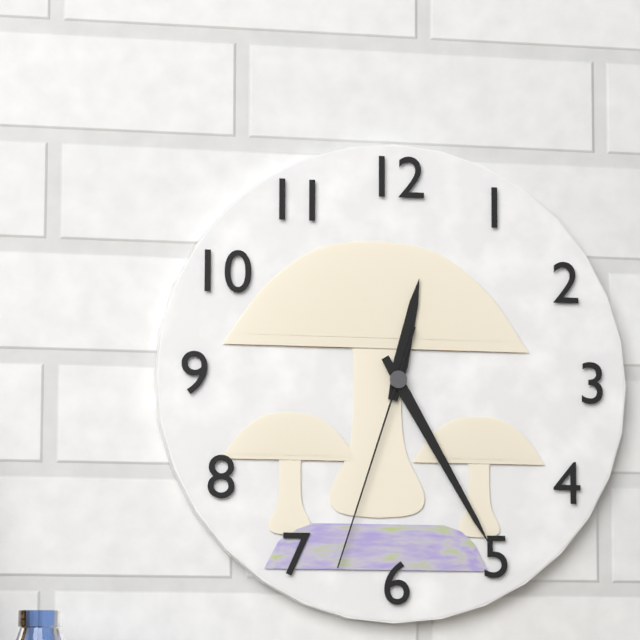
12:25:33
